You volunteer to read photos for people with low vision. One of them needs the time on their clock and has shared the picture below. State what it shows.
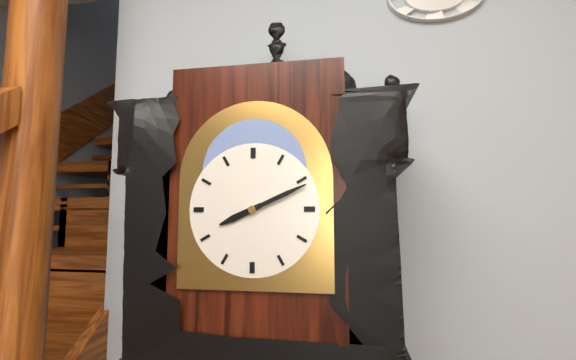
8:11
